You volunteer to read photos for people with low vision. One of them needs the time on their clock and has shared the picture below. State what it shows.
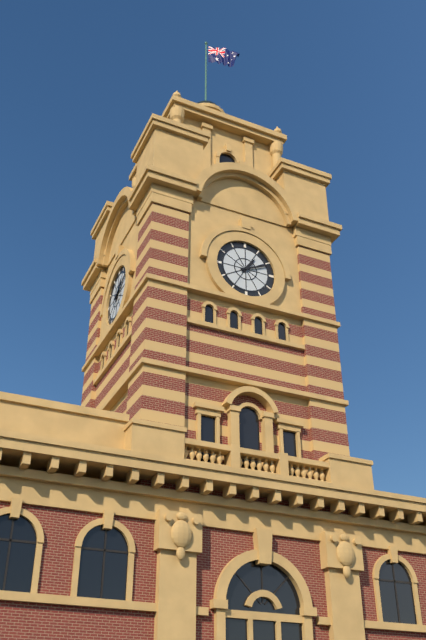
1:11
